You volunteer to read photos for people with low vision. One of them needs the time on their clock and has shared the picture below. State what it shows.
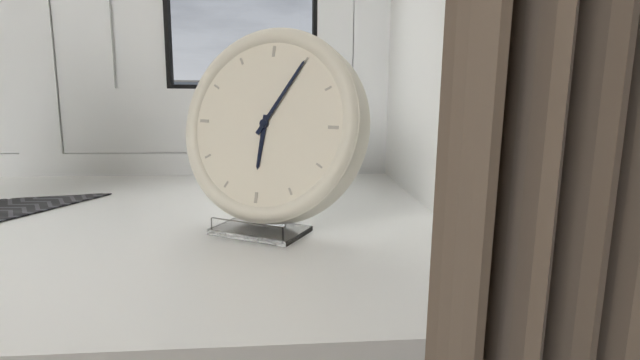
6:05
